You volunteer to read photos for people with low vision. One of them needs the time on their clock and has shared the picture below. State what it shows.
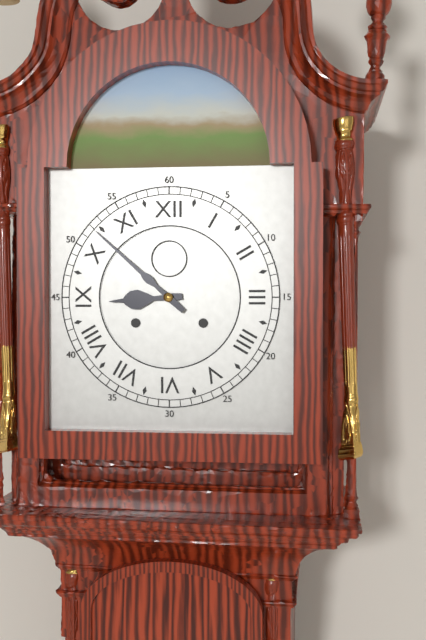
8:52
